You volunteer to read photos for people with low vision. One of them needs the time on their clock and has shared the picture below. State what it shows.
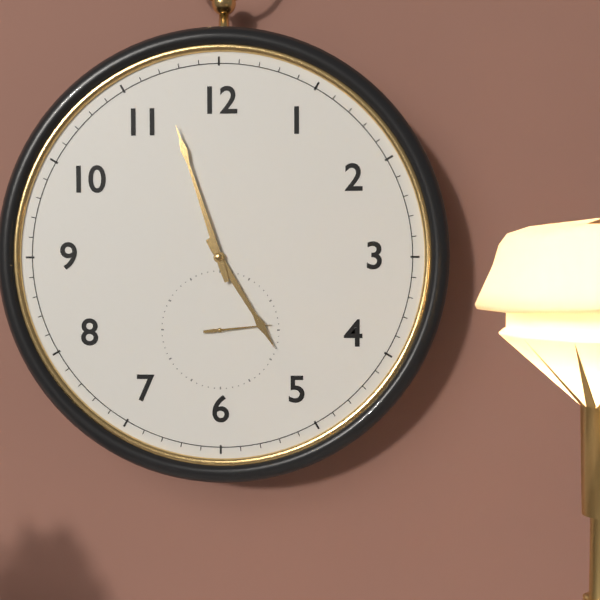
4:57:14
